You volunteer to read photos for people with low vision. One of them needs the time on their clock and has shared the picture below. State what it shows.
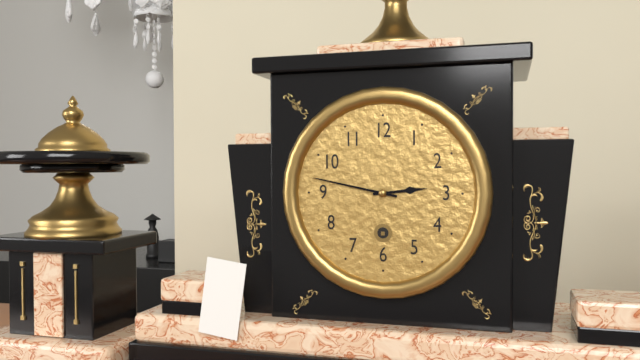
2:47
